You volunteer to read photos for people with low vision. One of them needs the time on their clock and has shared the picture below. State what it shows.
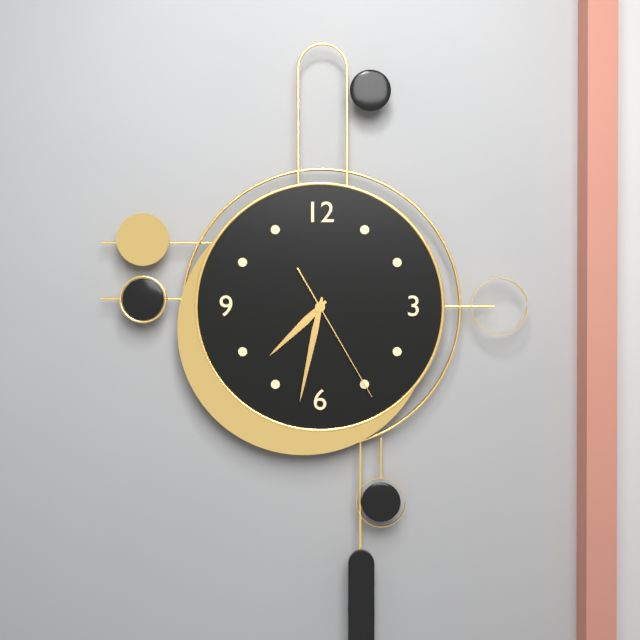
7:32:25
